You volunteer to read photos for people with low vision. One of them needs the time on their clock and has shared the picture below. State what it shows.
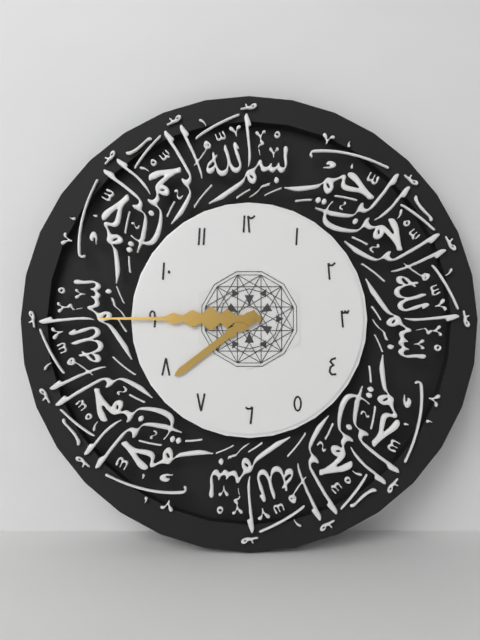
7:45
